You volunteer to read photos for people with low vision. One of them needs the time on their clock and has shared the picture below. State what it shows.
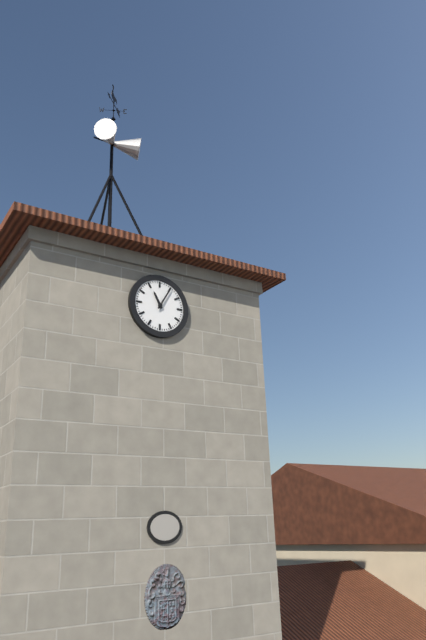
11:05
